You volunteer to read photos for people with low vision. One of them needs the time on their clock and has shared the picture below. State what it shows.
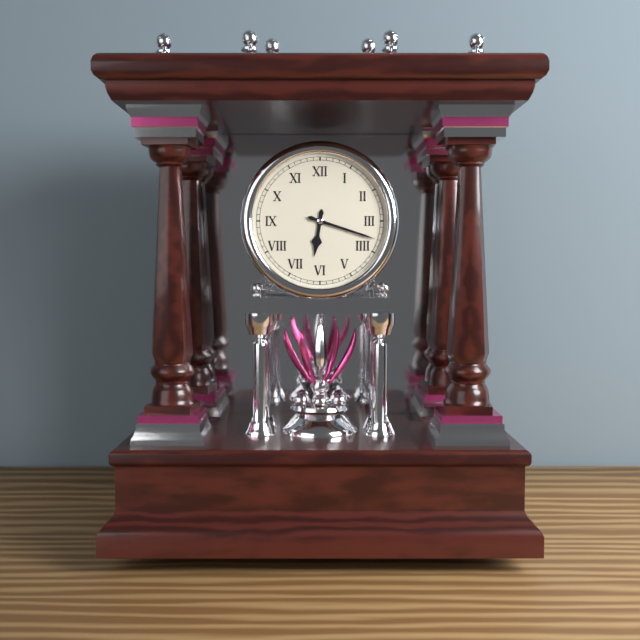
6:18
